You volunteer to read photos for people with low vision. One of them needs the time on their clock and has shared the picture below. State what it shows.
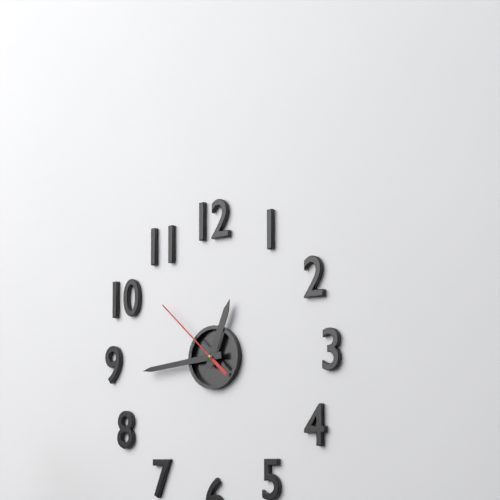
12:44:52
